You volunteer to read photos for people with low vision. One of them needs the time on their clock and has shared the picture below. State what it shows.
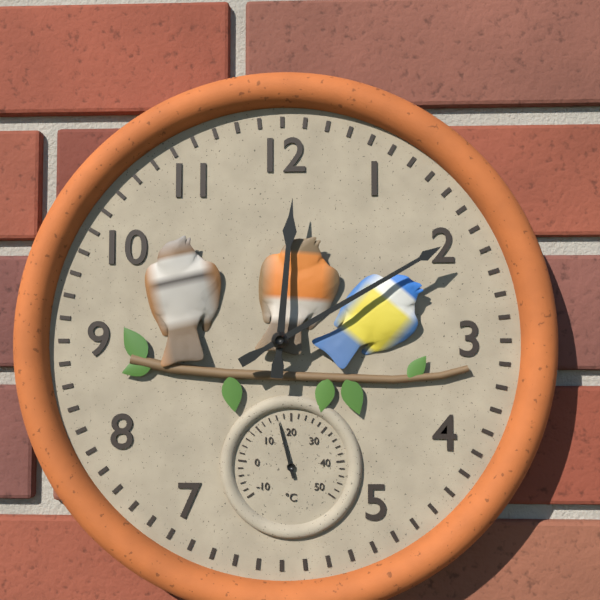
12:10
